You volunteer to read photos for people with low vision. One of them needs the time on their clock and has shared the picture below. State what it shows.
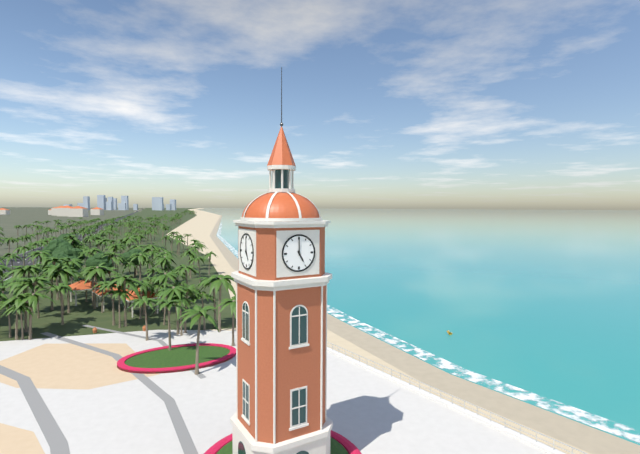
5:00
